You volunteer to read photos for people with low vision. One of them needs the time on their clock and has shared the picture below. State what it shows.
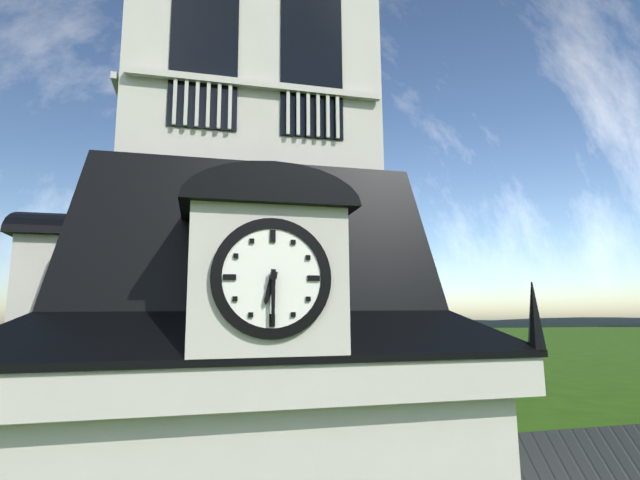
6:30
